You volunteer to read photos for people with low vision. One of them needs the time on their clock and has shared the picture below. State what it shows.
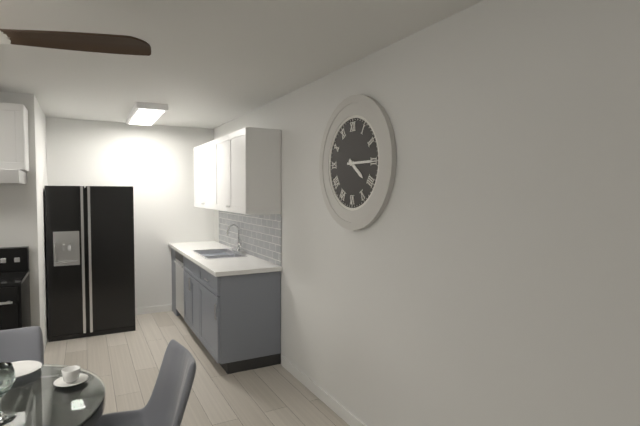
4:15
